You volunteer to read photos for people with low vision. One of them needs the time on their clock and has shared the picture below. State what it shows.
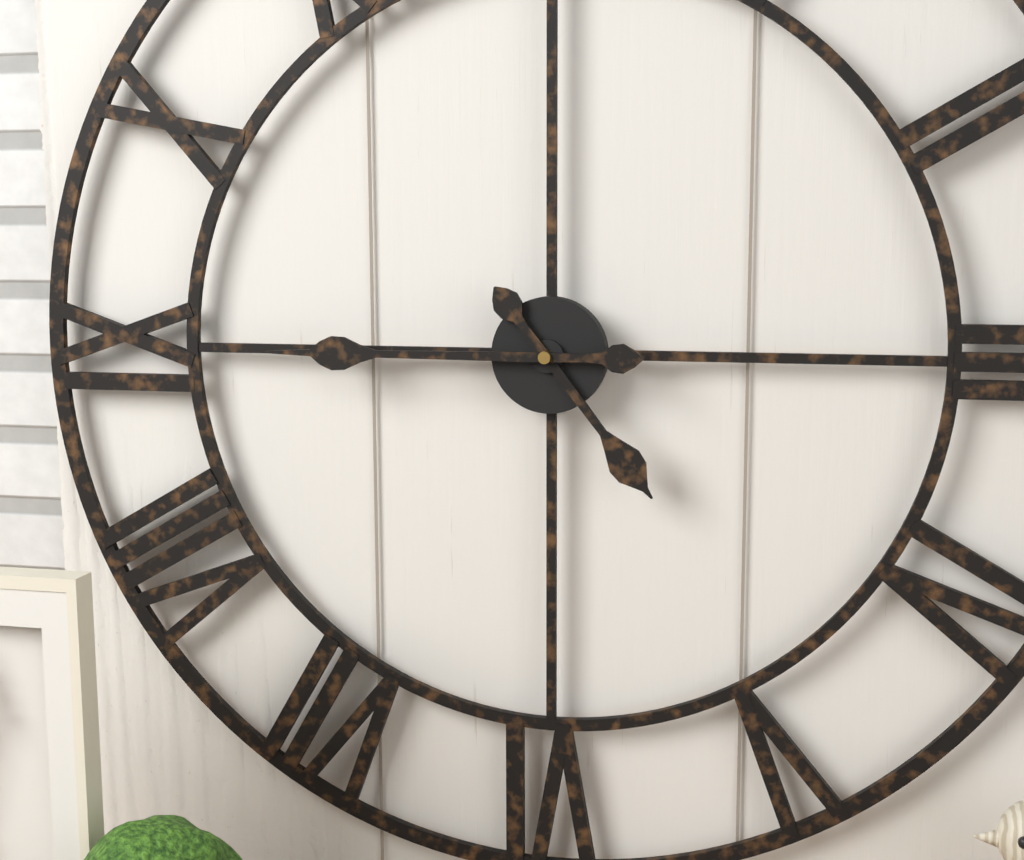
4:45
